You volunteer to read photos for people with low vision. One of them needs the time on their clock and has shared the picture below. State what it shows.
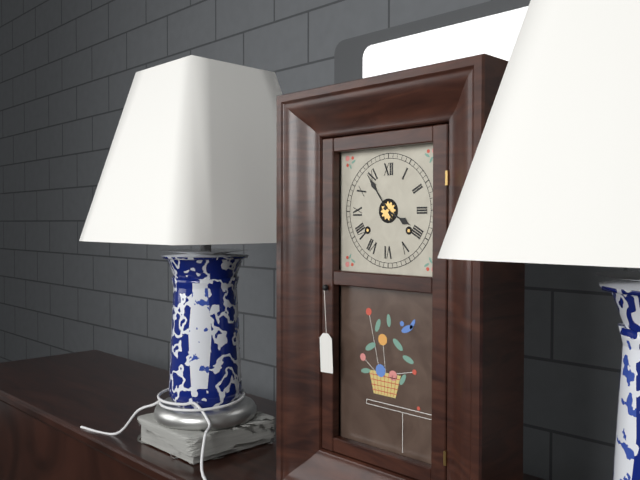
3:54
